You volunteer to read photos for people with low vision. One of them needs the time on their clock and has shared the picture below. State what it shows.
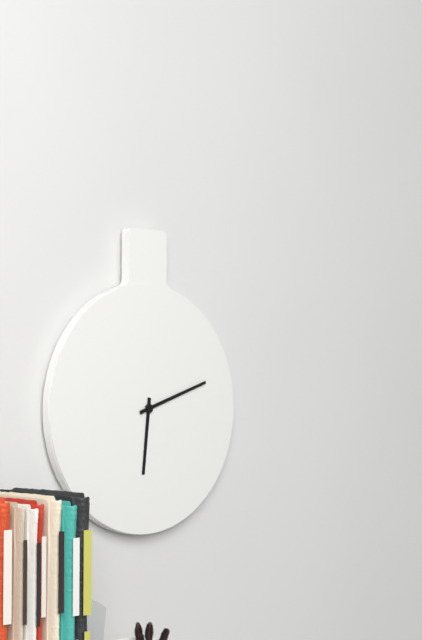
6:12
